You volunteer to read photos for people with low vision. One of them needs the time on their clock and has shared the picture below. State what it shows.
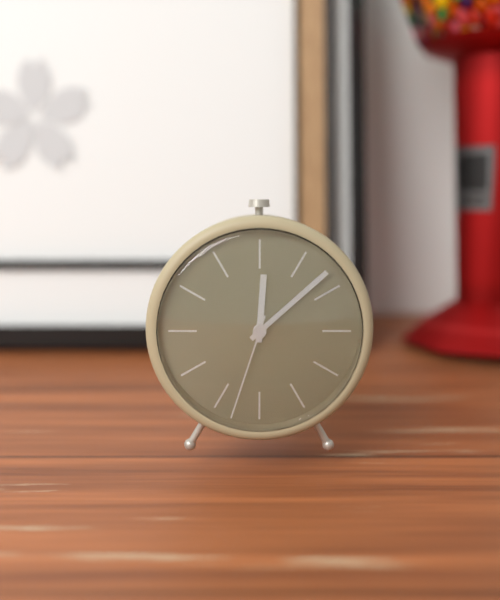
12:08:33
